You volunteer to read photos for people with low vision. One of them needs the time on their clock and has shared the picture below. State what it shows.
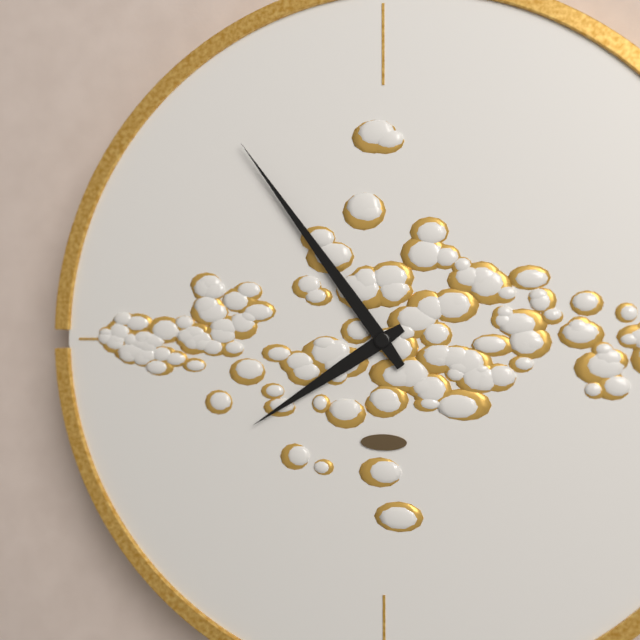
7:54
